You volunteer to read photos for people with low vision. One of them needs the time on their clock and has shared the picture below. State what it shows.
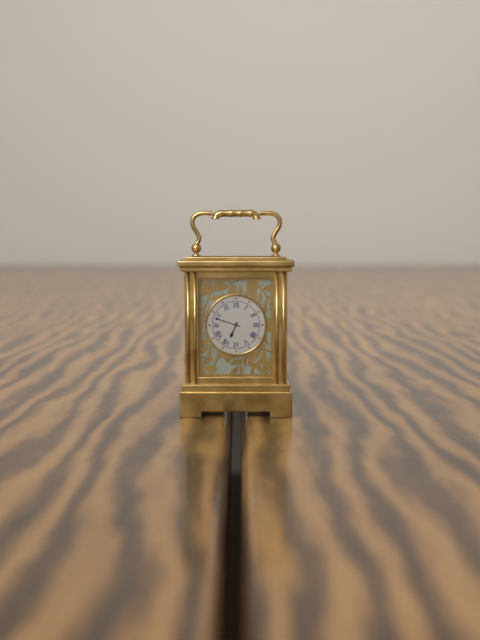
6:48
